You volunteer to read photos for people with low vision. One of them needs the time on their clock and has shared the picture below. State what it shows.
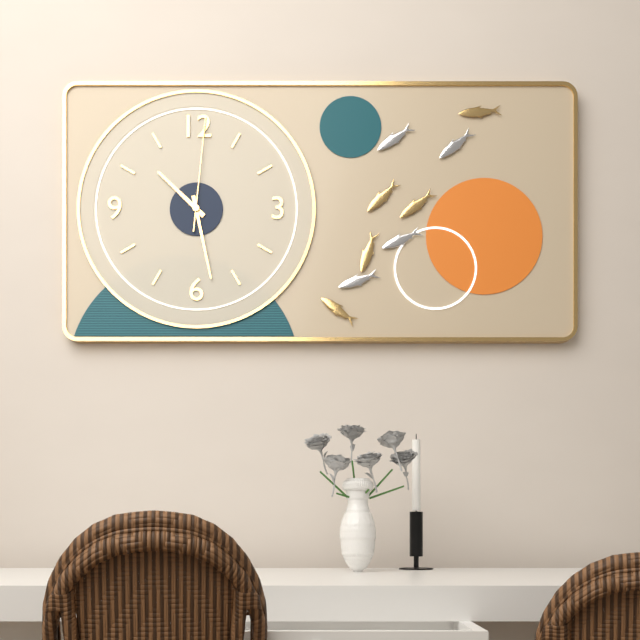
10:28:01
